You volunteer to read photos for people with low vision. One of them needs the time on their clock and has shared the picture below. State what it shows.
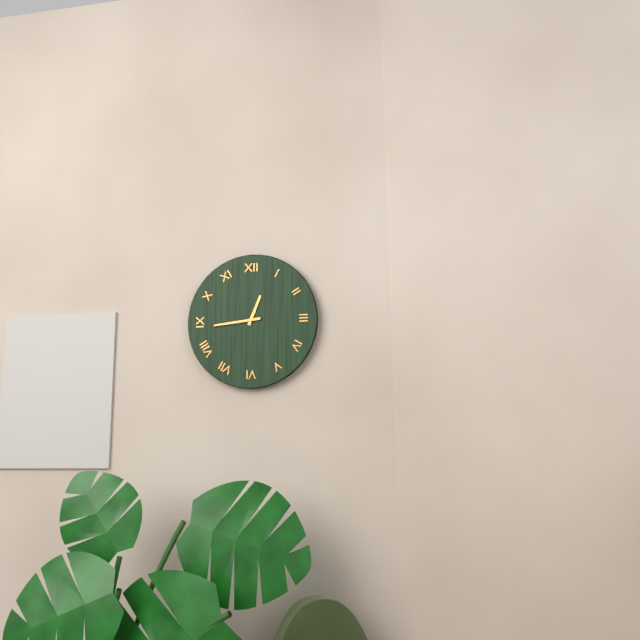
12:44
